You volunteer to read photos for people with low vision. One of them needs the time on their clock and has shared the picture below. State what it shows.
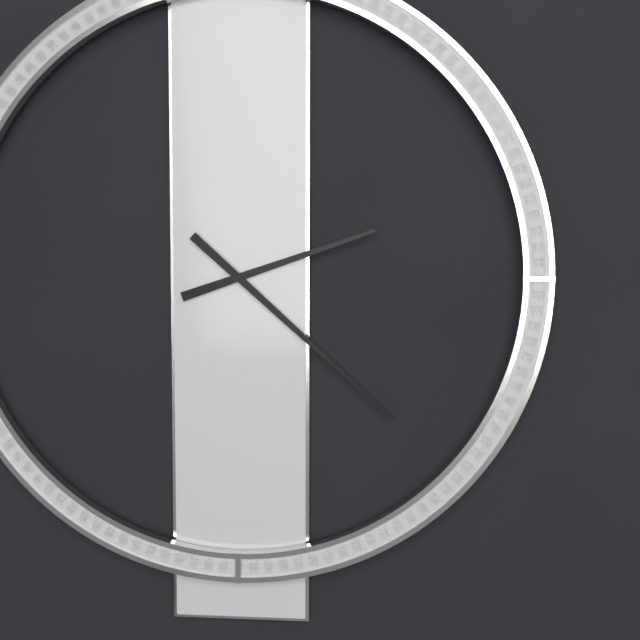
2:22
